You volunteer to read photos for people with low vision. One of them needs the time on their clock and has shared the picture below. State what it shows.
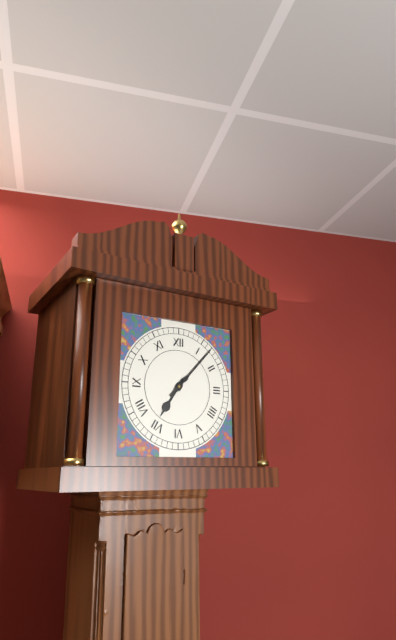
7:07
